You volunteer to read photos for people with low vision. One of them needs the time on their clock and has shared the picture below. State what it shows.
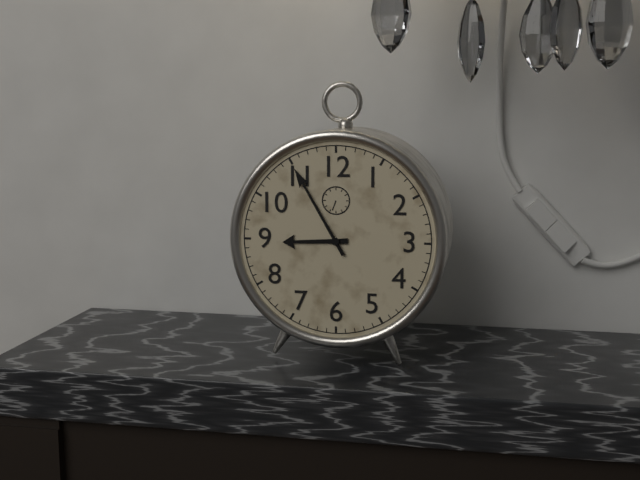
8:55
